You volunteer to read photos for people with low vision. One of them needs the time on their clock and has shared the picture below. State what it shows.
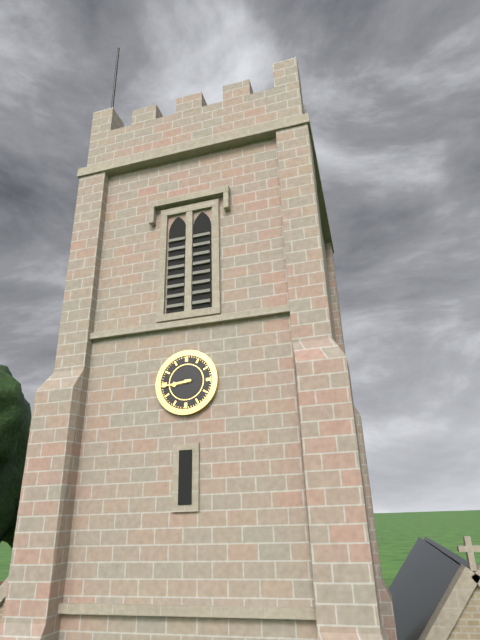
8:44
